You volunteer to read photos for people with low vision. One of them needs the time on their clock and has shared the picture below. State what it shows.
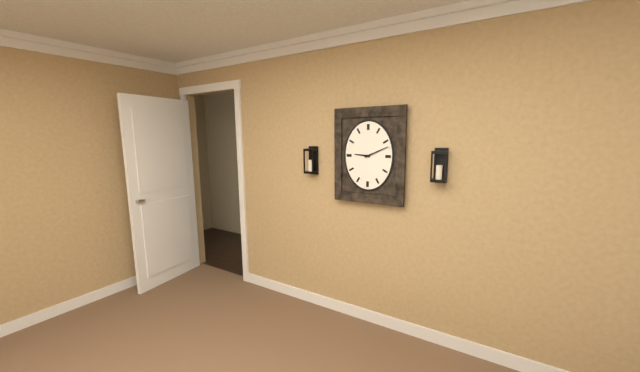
9:11
